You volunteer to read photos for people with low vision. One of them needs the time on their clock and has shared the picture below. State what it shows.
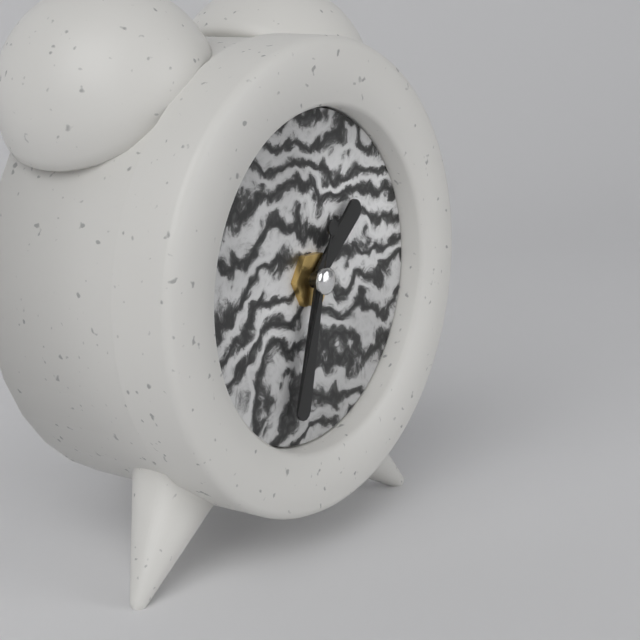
1:32:33
